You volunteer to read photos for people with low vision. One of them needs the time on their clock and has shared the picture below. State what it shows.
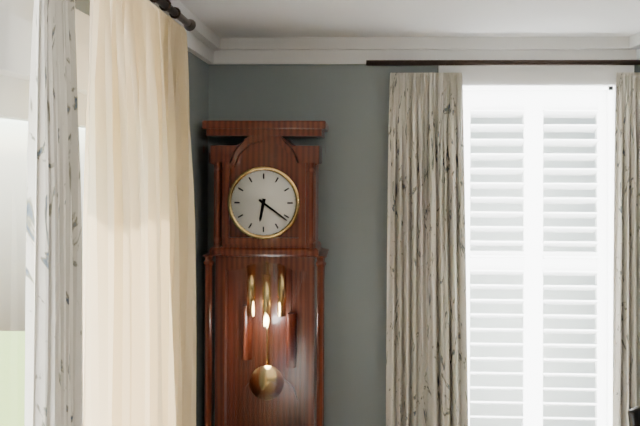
6:21
